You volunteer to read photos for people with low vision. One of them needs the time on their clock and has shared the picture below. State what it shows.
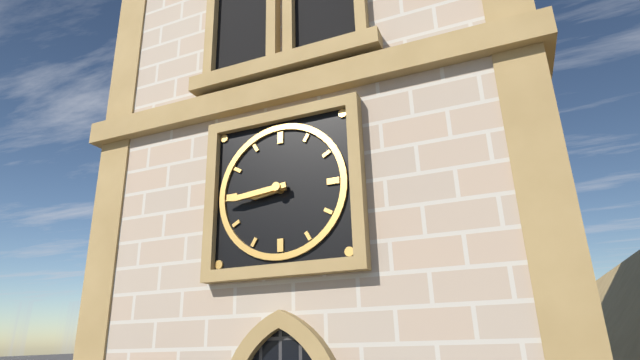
8:44
